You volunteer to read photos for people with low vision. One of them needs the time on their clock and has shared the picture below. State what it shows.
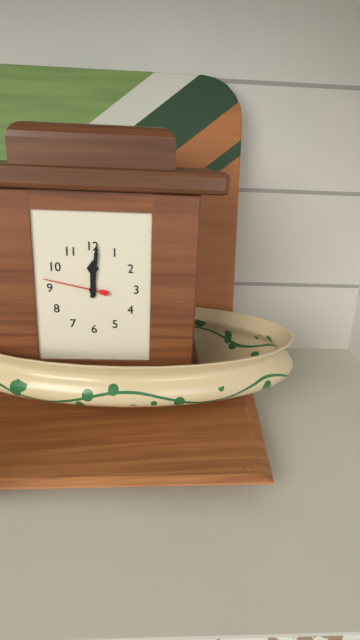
12:01:47
